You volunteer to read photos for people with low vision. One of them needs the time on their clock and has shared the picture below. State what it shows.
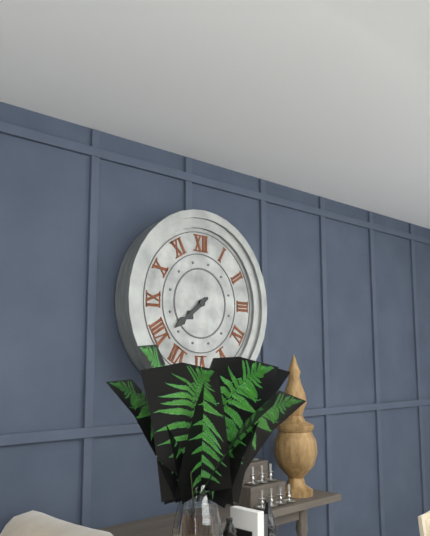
7:39
